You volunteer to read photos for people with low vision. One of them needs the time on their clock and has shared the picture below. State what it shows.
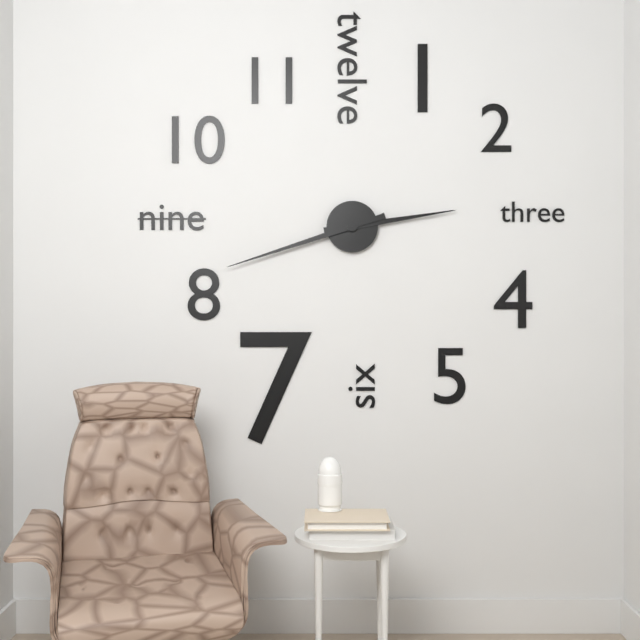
2:42
